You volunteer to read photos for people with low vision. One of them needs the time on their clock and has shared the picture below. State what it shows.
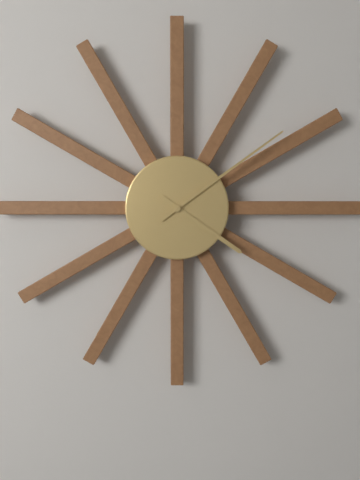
4:09
